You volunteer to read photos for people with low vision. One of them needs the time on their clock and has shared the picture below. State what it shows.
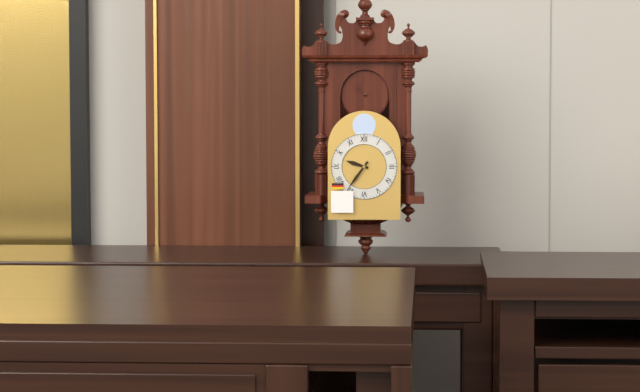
9:36
